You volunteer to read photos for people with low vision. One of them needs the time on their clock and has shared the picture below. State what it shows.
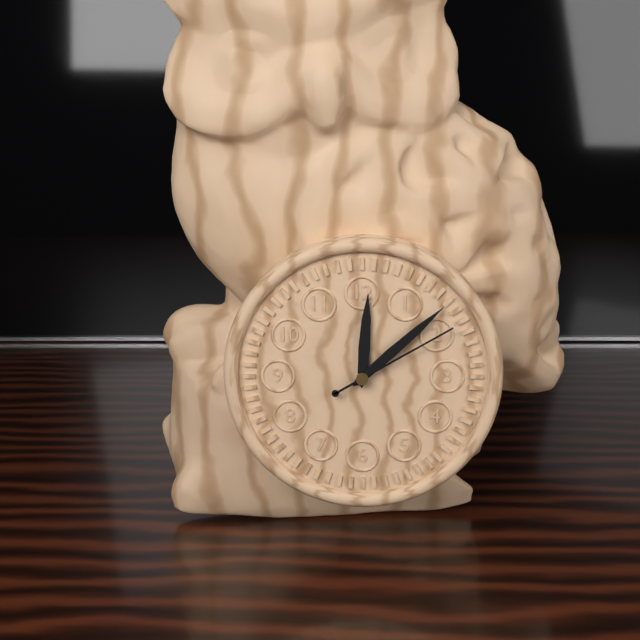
12:08:10
